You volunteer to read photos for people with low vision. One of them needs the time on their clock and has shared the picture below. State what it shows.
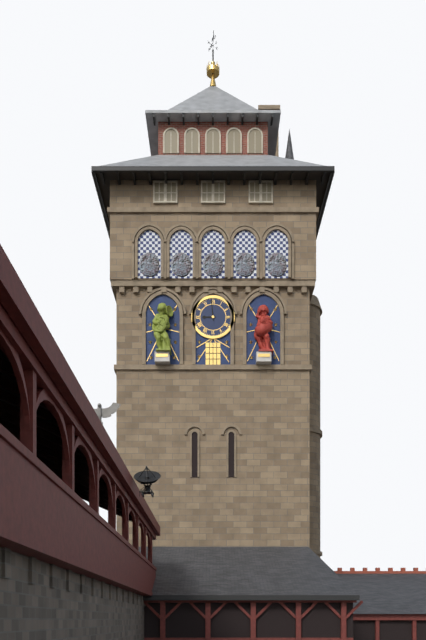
8:59
